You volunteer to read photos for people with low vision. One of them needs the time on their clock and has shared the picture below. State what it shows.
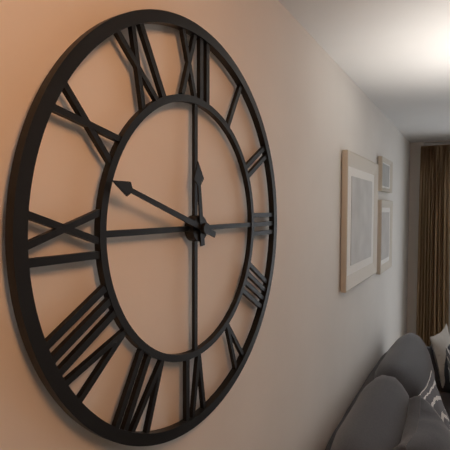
11:48
